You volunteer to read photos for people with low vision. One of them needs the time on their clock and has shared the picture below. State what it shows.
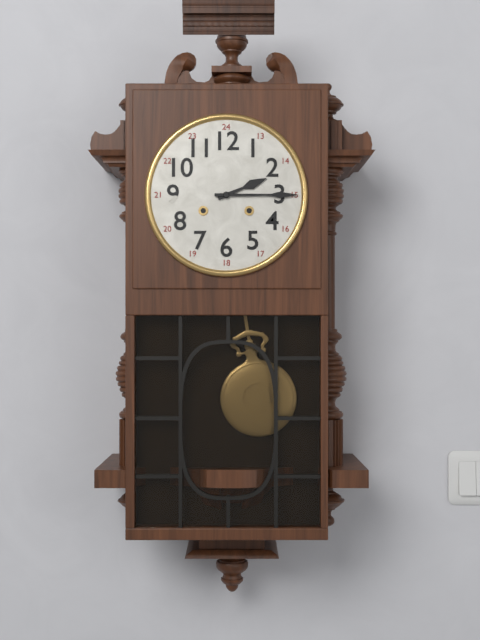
2:15
